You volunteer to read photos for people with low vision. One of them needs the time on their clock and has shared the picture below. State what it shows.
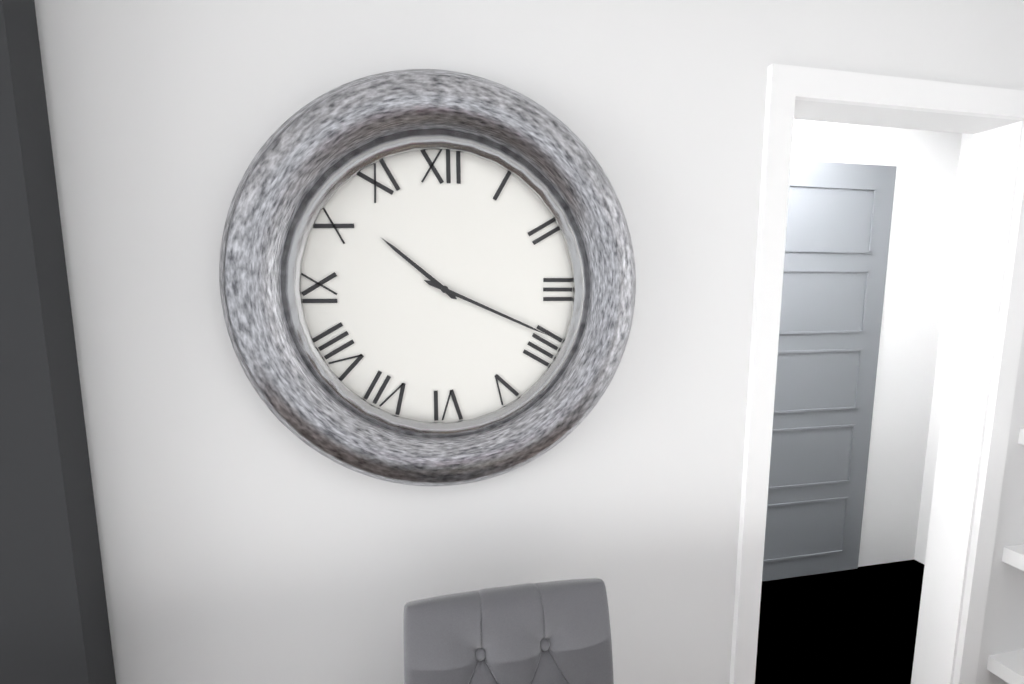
10:19
